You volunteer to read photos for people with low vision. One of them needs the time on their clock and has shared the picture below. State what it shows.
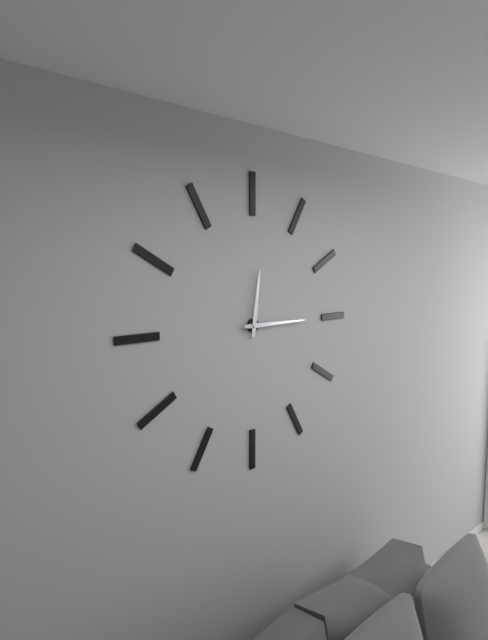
12:15
